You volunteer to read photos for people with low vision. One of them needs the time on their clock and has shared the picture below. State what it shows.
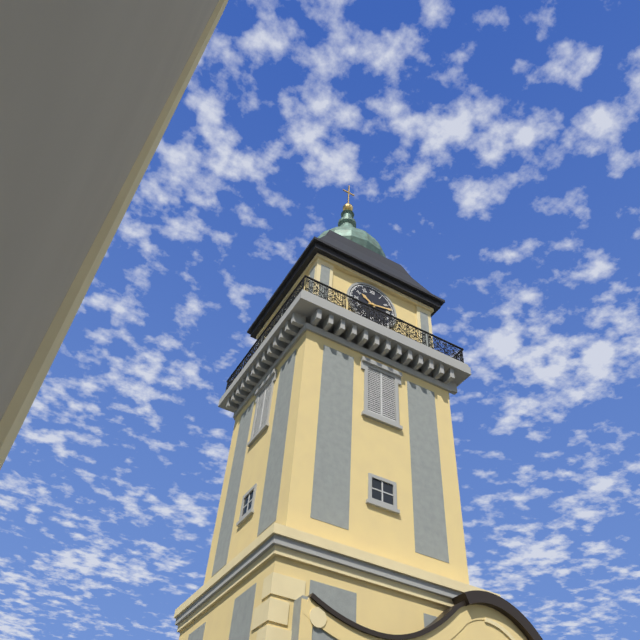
10:13
